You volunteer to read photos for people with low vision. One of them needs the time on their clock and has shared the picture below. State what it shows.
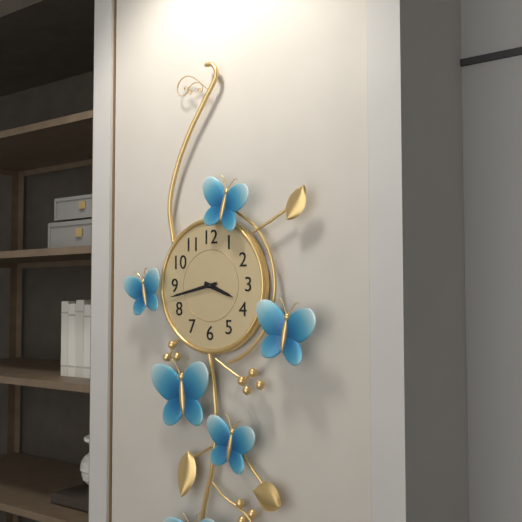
3:43
